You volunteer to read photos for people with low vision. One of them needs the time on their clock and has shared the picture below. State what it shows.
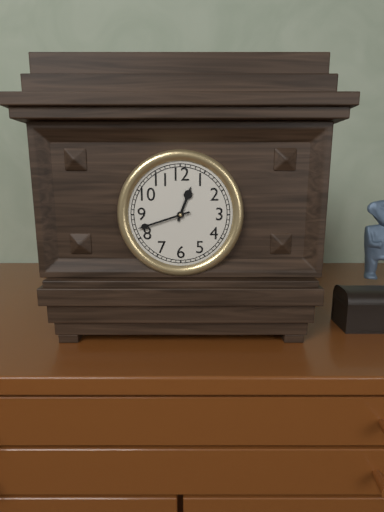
12:42
